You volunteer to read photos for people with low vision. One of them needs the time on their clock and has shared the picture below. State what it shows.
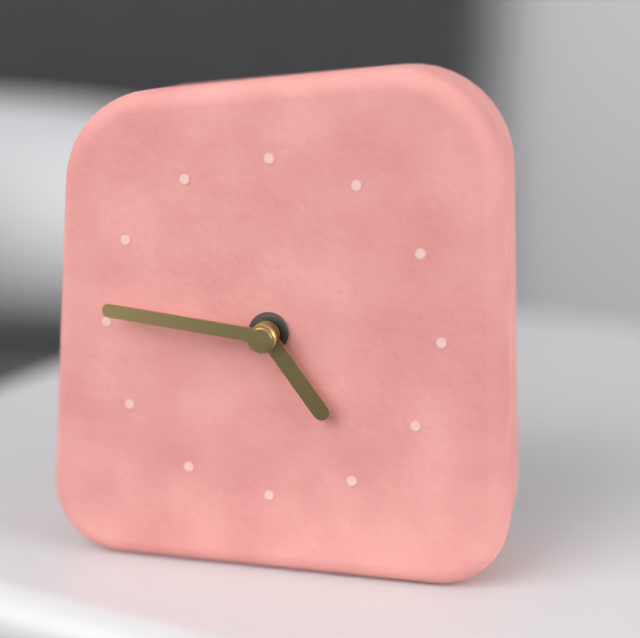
4:46
